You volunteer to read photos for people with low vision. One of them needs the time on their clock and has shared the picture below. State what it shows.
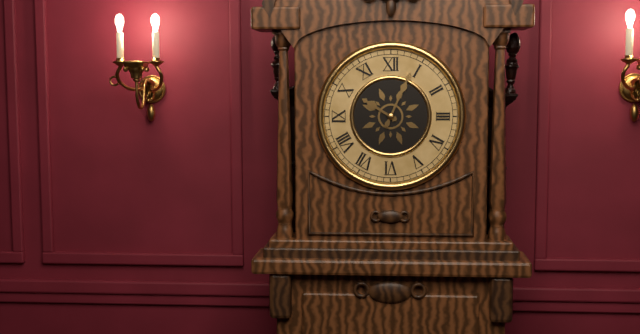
10:04
